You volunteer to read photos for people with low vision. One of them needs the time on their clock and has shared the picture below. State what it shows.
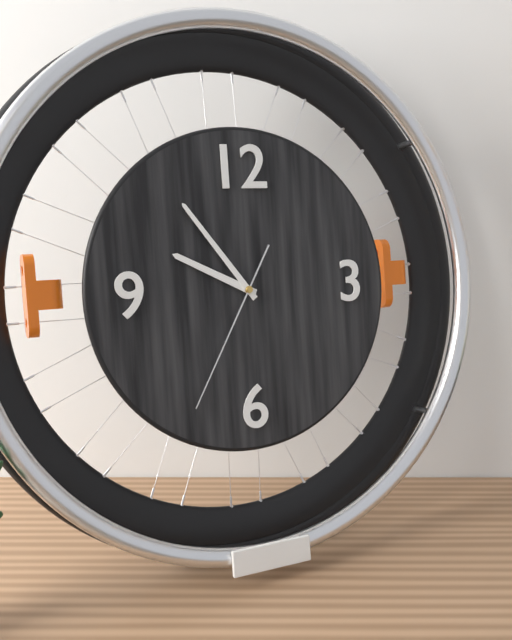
9:54:35
